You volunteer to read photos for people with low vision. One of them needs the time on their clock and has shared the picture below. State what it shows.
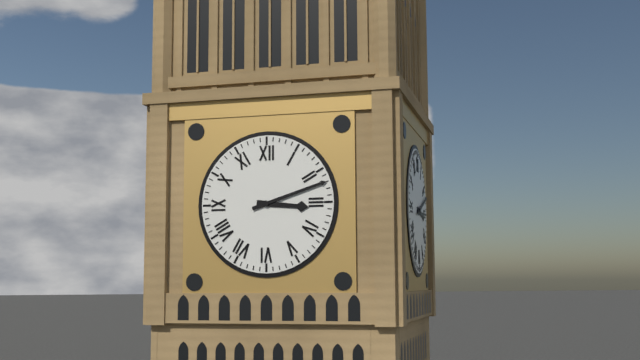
3:12
